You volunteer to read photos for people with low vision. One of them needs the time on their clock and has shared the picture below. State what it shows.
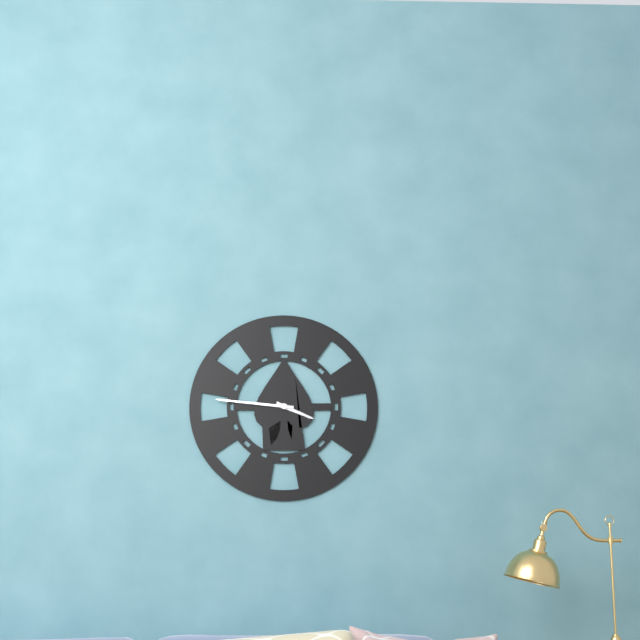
3:46
